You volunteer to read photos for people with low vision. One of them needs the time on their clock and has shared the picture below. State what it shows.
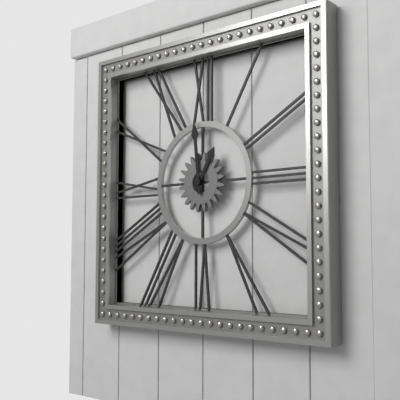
12:59
